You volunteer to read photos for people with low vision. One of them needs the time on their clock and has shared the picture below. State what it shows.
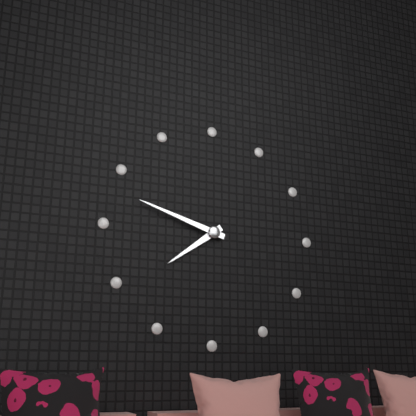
7:48
